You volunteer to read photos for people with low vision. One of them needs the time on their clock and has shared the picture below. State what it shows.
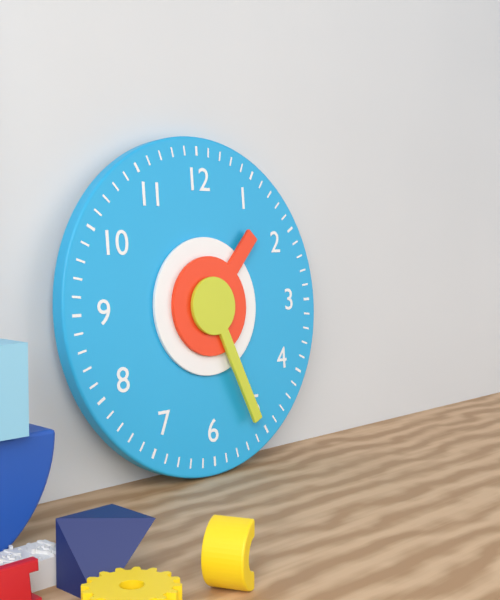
1:26
